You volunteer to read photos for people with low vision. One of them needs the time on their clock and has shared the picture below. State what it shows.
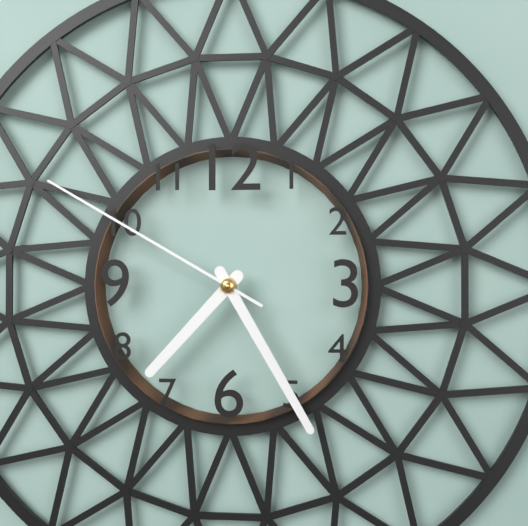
7:25:50
